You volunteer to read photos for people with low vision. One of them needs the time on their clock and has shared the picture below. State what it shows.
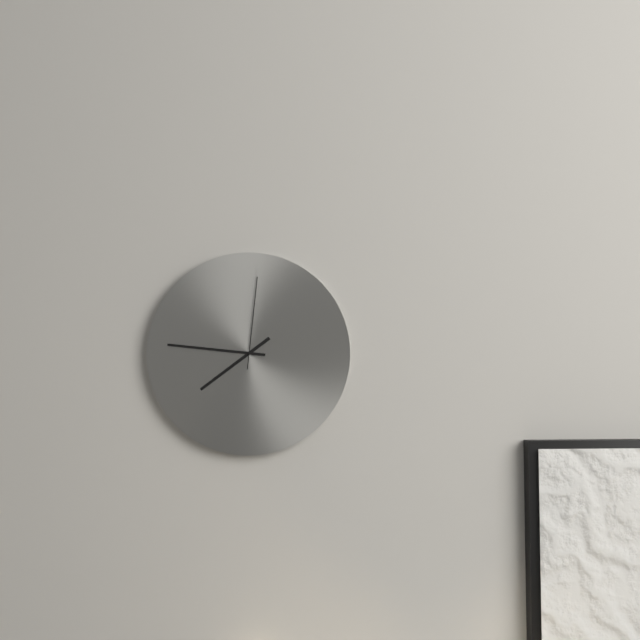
7:46:01
